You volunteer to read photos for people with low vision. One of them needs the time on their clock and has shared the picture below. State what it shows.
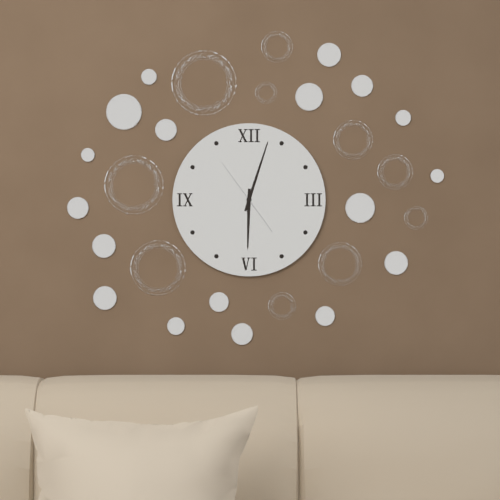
6:03:54
